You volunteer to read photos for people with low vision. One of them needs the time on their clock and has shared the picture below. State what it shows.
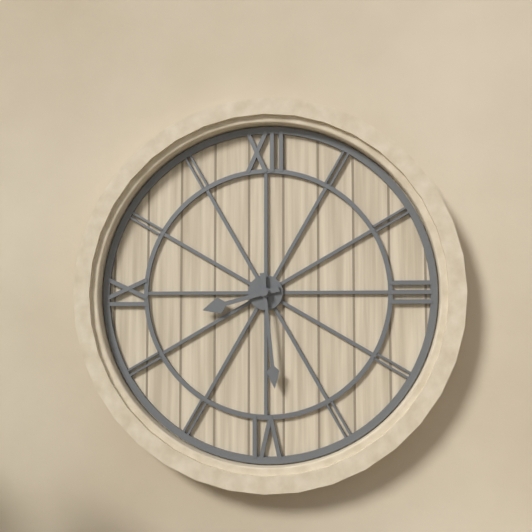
8:29
